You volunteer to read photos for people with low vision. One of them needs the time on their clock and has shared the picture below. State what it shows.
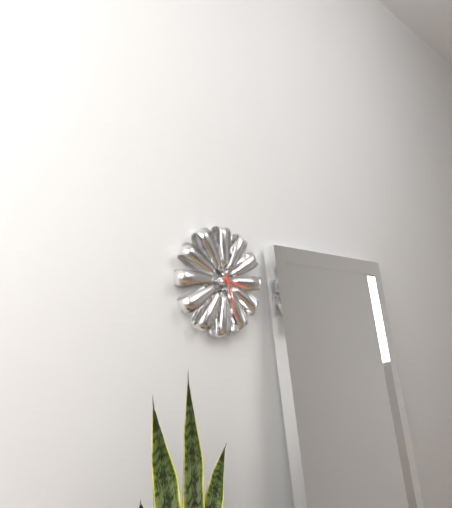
3:27
